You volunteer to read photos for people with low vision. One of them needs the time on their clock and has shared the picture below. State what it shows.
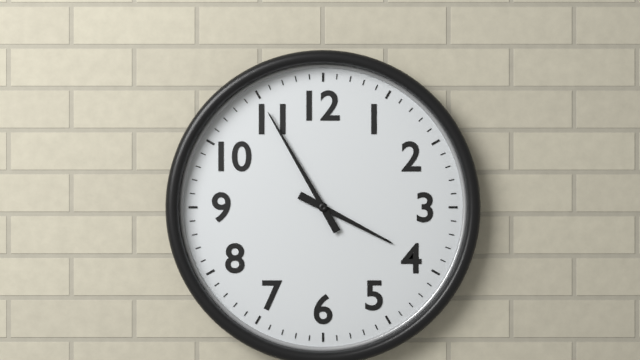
3:55
